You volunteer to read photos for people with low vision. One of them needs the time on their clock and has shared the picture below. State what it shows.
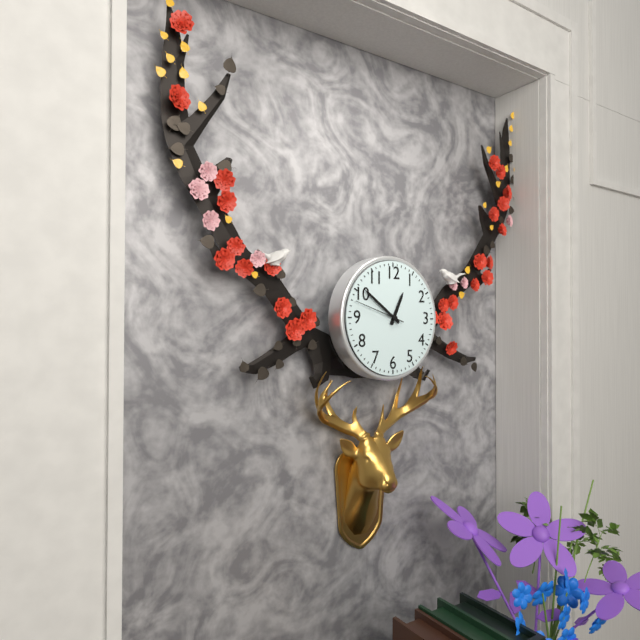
12:51:48
